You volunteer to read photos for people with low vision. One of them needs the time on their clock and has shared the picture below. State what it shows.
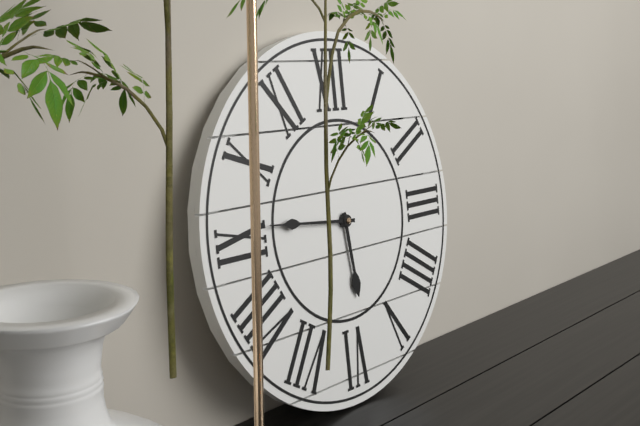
5:46
